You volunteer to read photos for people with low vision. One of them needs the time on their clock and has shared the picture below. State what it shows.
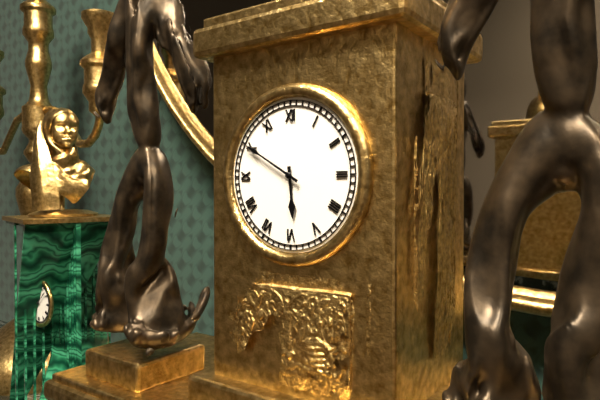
5:50
